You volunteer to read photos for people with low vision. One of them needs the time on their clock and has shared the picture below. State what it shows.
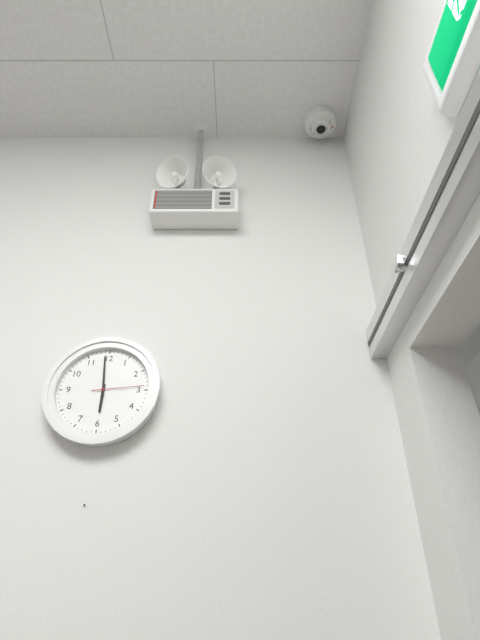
5:59:14
